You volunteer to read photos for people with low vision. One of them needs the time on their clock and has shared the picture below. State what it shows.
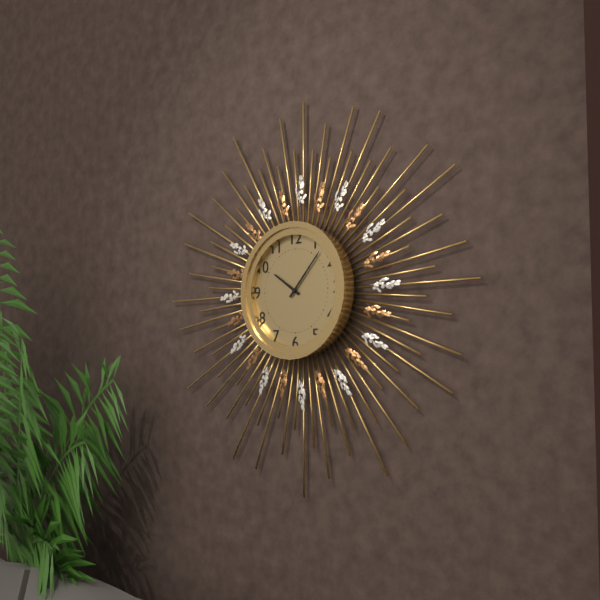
10:07
